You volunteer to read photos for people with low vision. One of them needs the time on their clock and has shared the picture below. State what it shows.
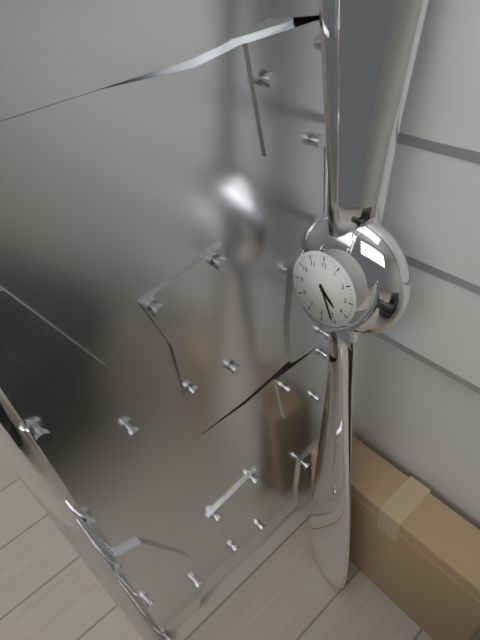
4:26
